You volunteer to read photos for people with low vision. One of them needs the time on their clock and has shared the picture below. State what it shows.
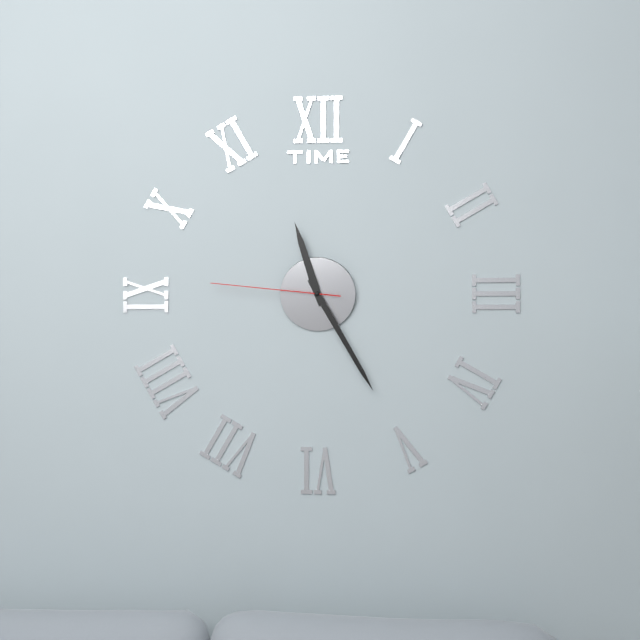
11:25:46
